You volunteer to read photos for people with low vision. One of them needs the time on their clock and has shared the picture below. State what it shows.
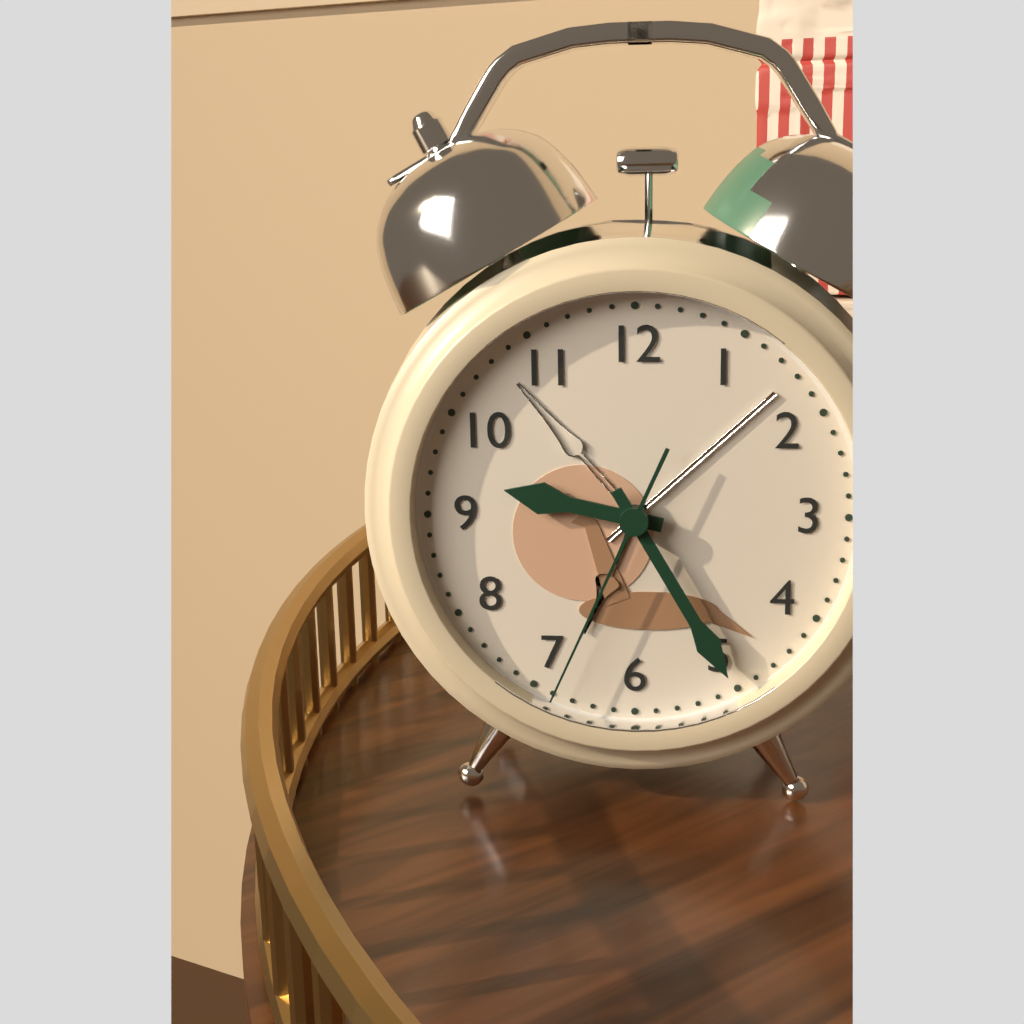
9:25:34
